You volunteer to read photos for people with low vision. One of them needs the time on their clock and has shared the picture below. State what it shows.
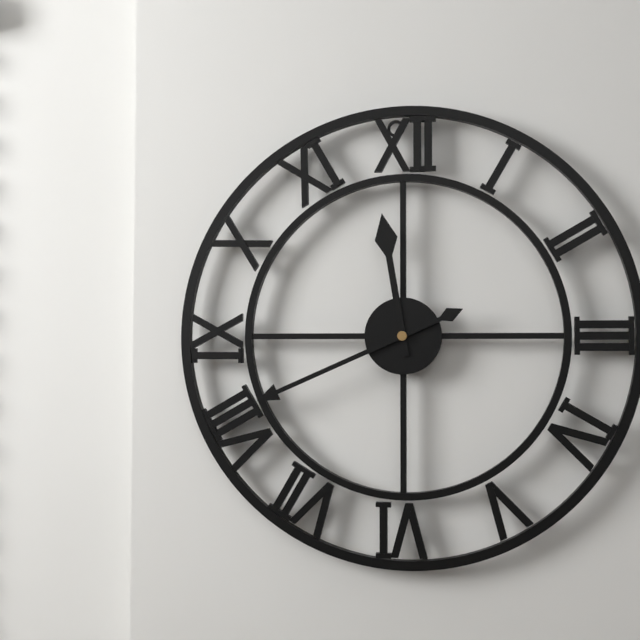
11:41
